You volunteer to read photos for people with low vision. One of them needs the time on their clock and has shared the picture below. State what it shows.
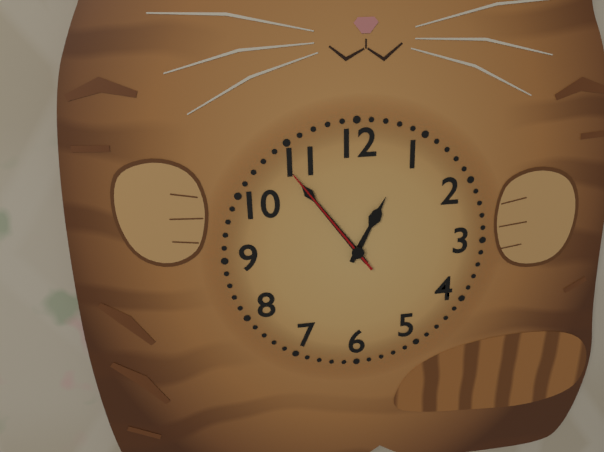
12:54:54
